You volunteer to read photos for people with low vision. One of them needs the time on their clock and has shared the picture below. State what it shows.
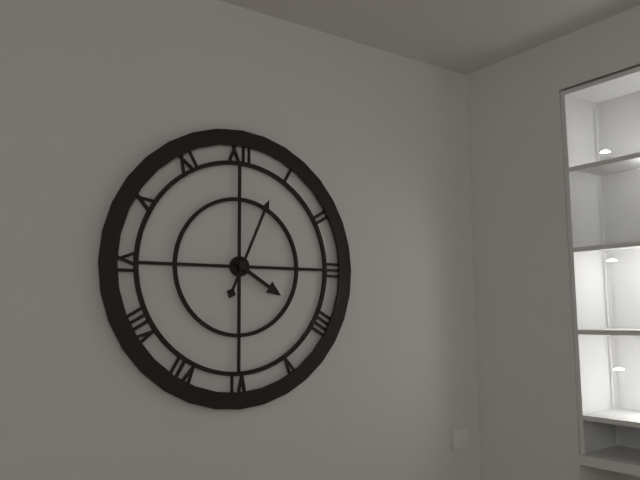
4:04
